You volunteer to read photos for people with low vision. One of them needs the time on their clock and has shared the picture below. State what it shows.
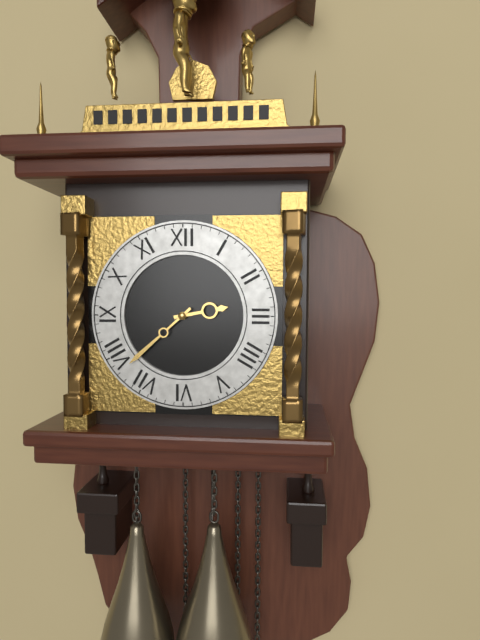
2:38
